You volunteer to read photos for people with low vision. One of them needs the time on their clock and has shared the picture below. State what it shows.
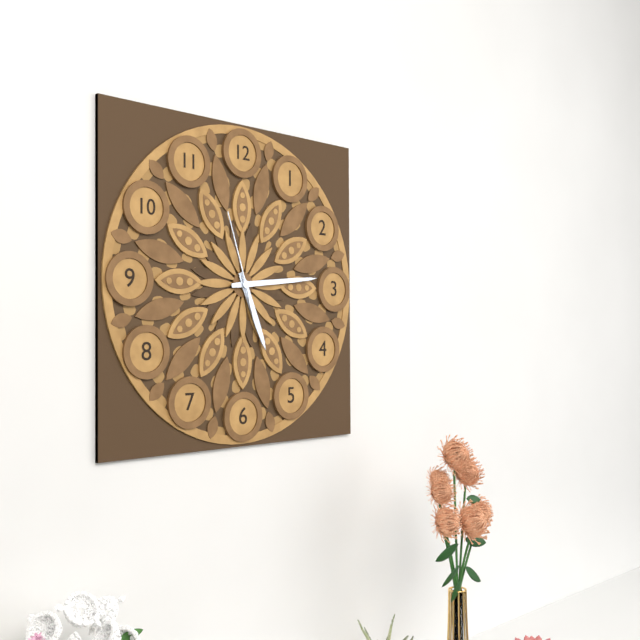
5:14:57
